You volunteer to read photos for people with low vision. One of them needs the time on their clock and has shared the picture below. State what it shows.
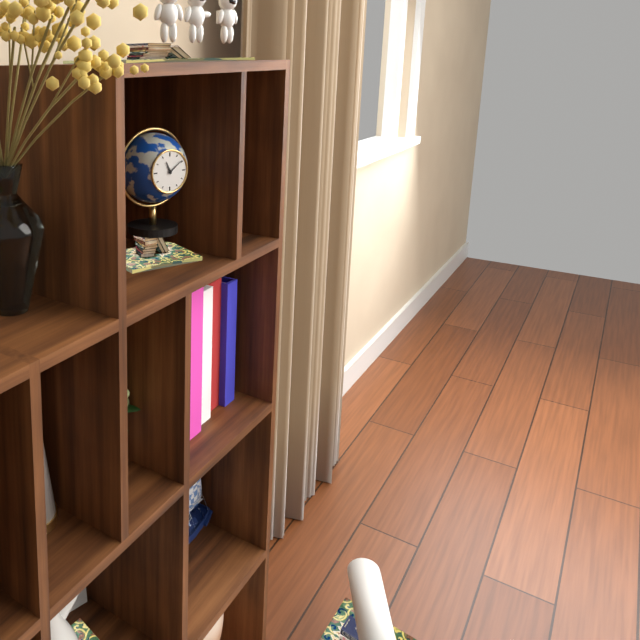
11:09
